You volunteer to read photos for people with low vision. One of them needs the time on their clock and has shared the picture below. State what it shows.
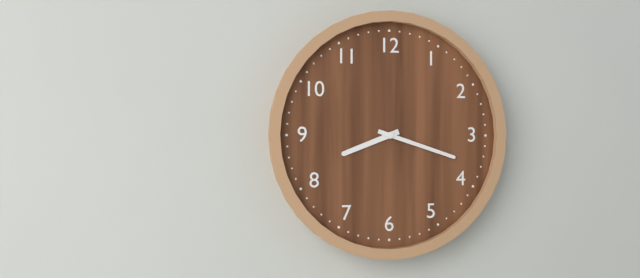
8:18
